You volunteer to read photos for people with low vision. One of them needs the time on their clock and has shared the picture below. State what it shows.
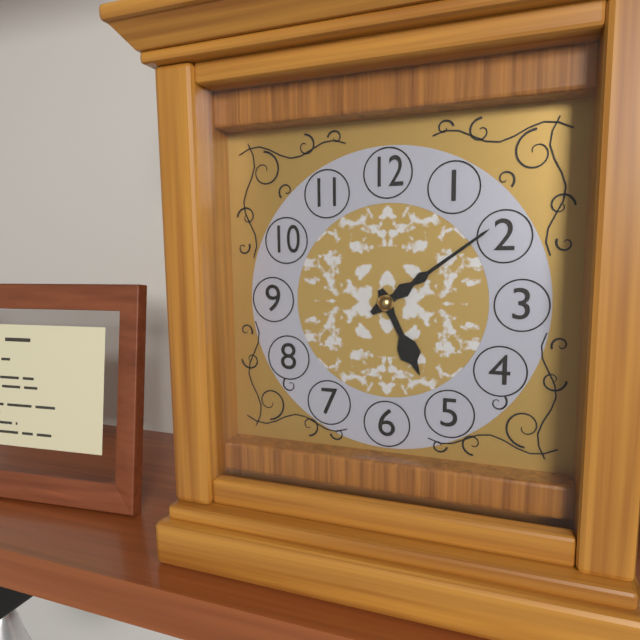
5:09
